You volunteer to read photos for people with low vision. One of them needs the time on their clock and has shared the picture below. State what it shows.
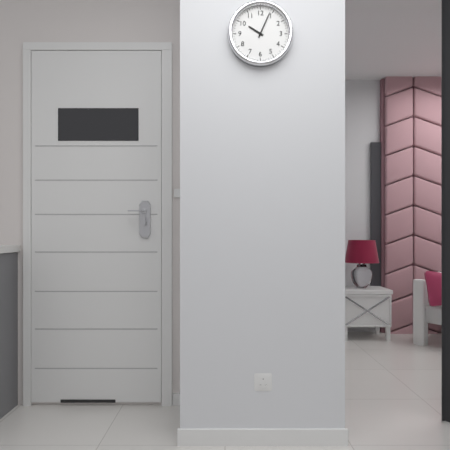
10:04
